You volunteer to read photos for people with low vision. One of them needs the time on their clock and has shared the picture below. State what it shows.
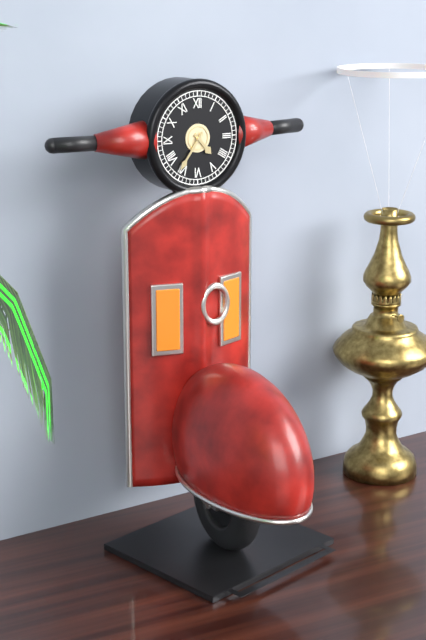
4:36
